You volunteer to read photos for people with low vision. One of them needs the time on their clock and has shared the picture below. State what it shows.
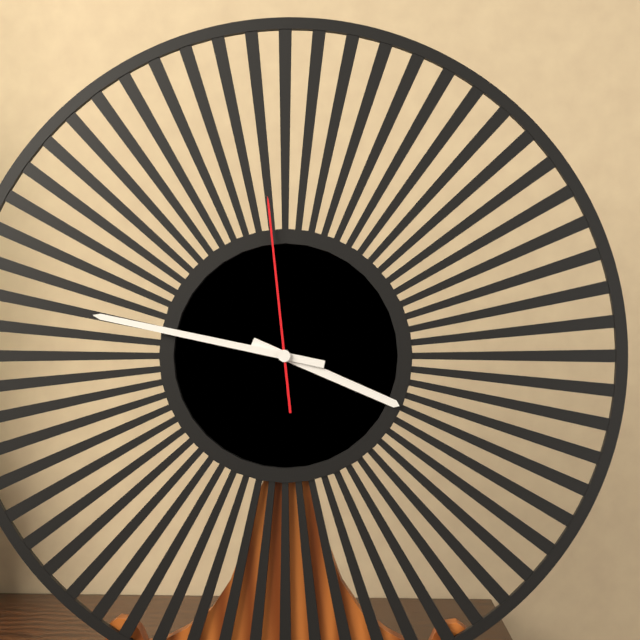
3:47:59
